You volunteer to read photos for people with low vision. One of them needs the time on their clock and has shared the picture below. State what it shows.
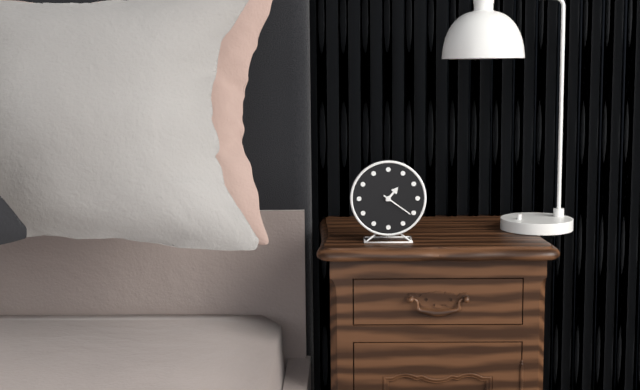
1:21
